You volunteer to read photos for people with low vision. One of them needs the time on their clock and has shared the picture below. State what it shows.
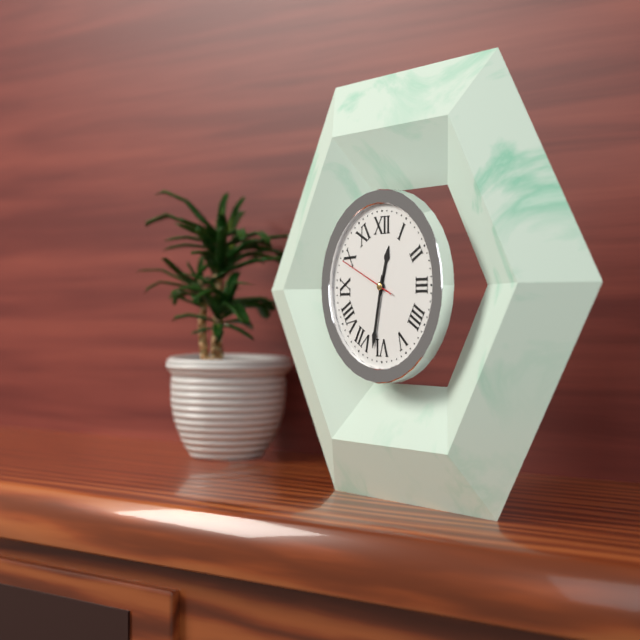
12:32:49
